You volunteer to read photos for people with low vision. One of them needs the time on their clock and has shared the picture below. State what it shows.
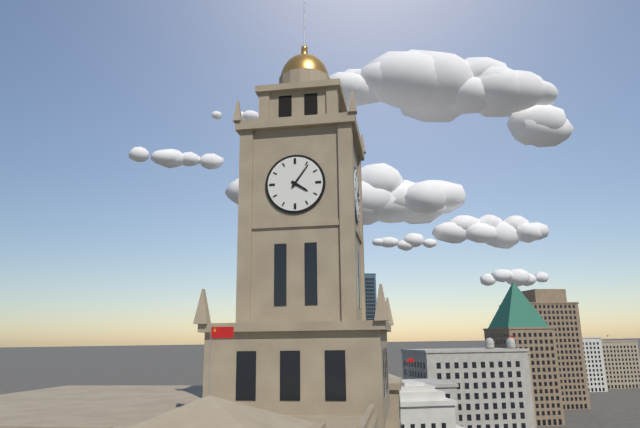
4:06
